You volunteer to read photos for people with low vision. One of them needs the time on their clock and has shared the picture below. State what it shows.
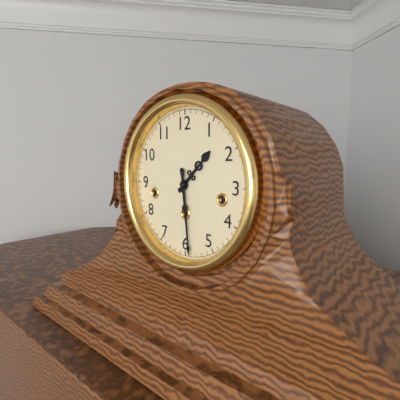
1:29
